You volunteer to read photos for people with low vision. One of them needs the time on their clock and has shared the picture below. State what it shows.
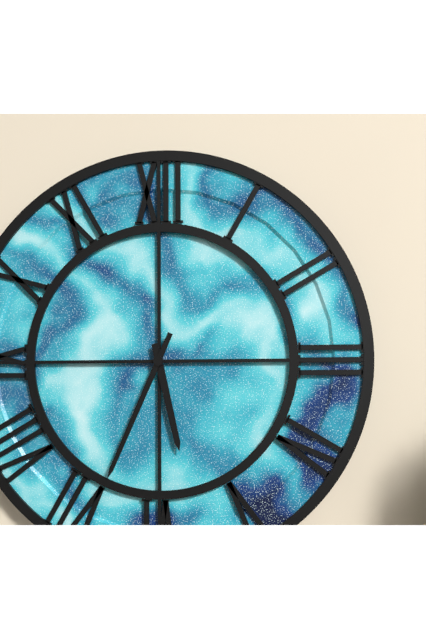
5:34
